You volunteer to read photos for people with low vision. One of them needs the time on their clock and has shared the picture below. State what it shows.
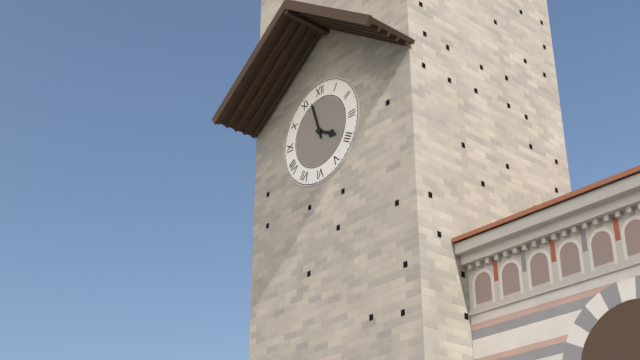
3:57
